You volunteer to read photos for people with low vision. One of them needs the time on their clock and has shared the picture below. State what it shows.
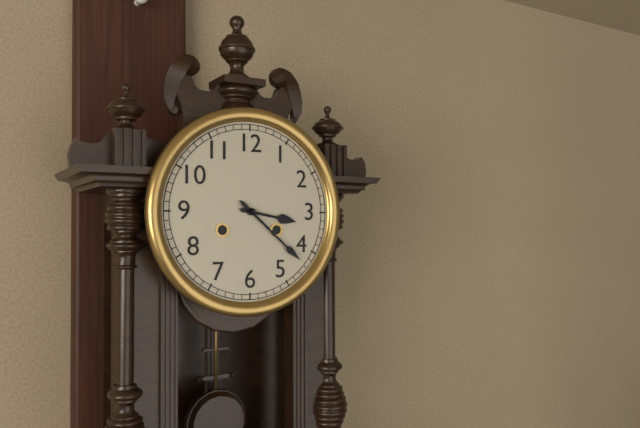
3:22
